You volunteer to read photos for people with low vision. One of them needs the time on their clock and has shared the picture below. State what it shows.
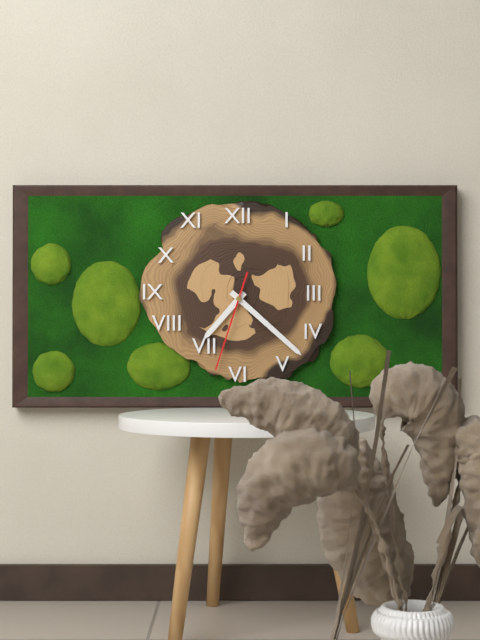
7:22:33
